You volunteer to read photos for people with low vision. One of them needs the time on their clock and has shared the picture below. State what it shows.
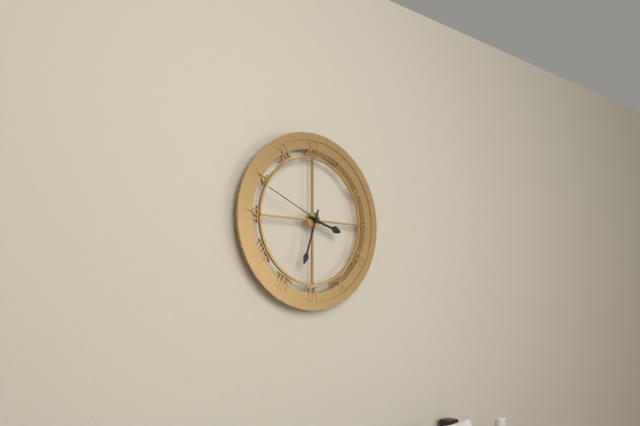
3:33:49
